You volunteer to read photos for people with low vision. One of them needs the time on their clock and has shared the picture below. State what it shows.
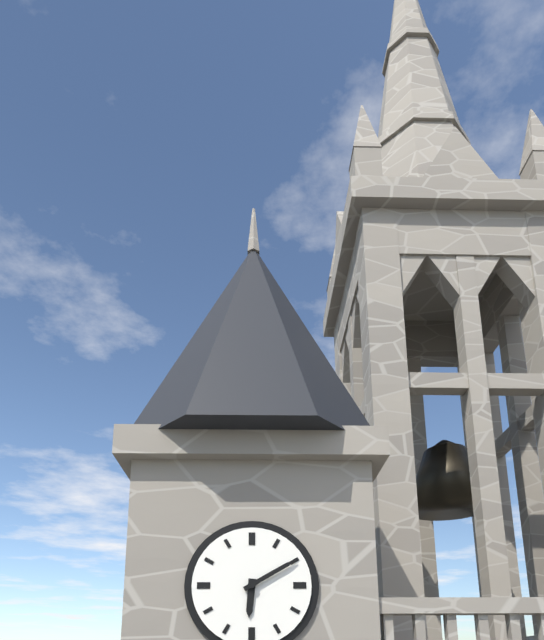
6:10
